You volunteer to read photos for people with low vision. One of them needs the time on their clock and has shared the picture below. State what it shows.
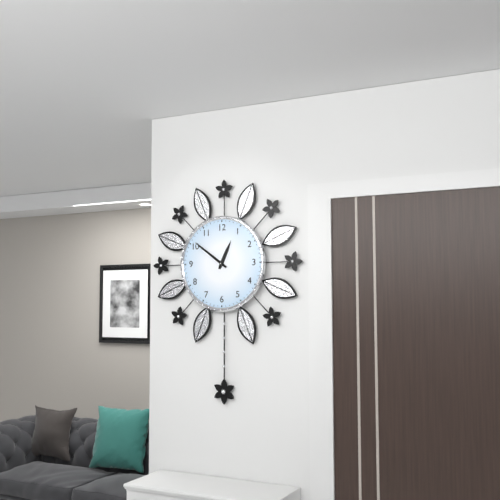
12:51
